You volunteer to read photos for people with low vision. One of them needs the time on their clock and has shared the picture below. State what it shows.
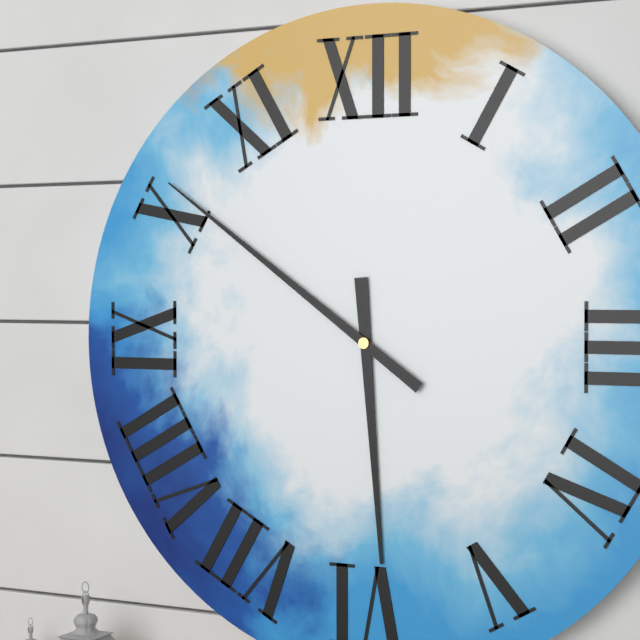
5:51
